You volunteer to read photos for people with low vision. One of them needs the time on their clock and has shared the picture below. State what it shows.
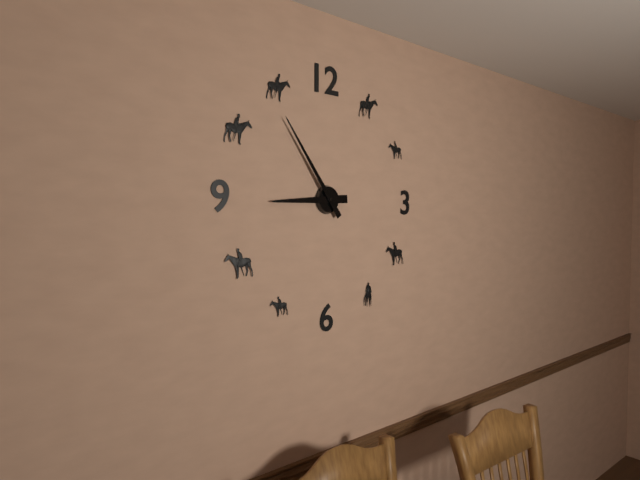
8:54
